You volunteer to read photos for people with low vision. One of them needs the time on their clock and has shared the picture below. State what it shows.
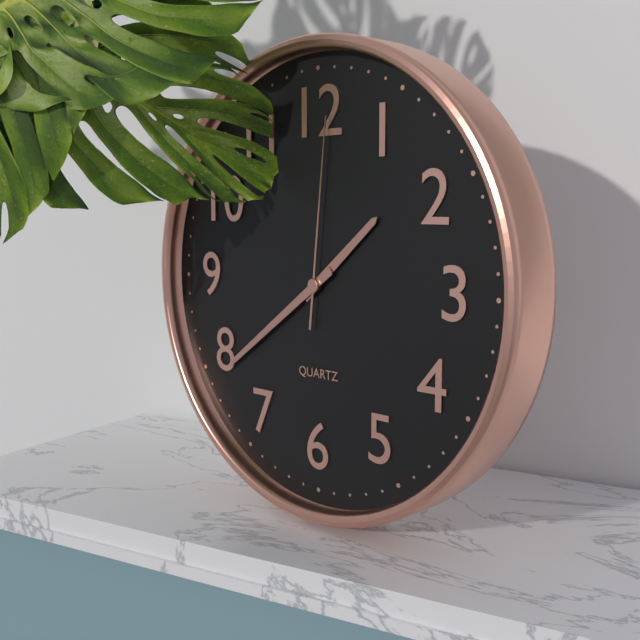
1:39:01
